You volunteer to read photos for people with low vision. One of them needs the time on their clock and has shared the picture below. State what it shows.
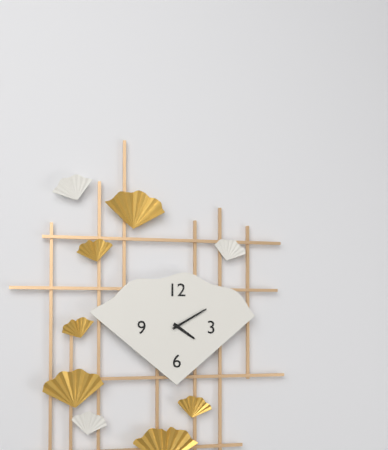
4:10
